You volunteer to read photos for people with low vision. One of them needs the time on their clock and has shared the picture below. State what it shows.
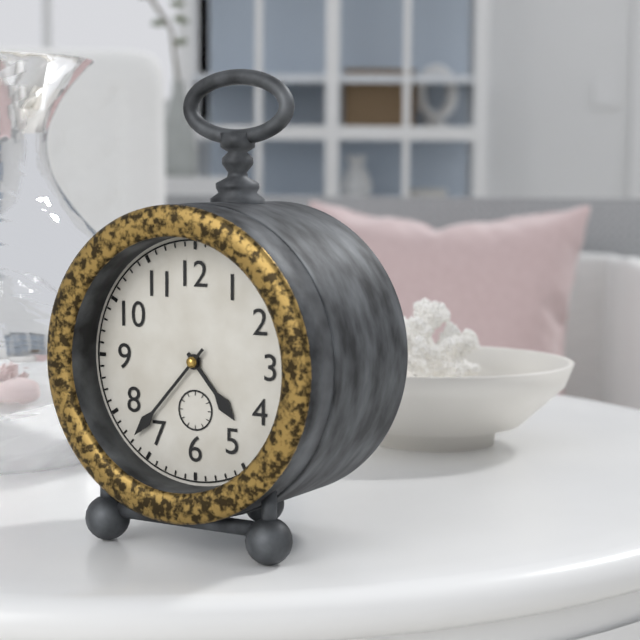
4:37
